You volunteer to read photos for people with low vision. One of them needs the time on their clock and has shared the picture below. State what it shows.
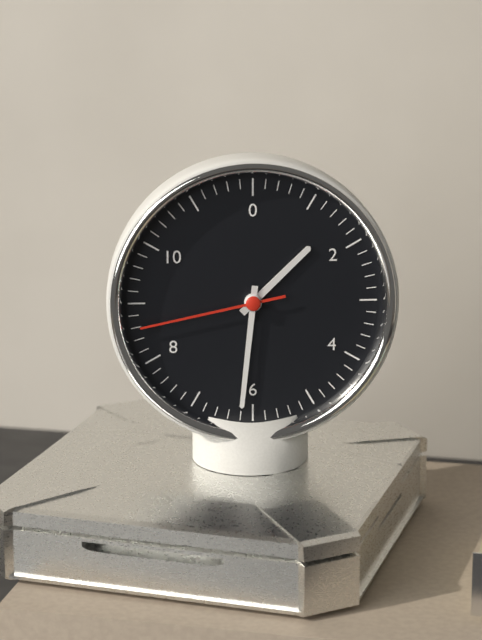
1:31:43
